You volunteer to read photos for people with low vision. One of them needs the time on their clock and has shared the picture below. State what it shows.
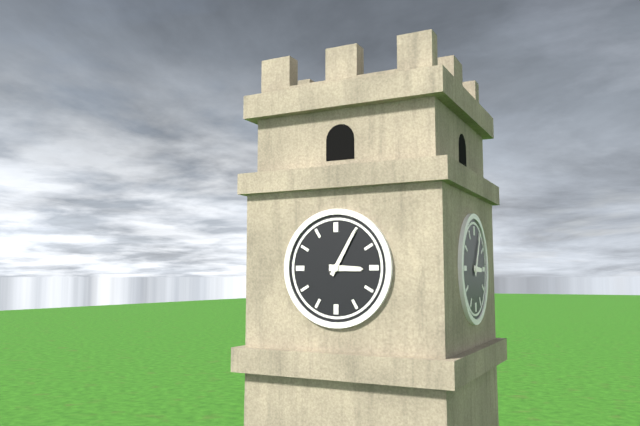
3:05
